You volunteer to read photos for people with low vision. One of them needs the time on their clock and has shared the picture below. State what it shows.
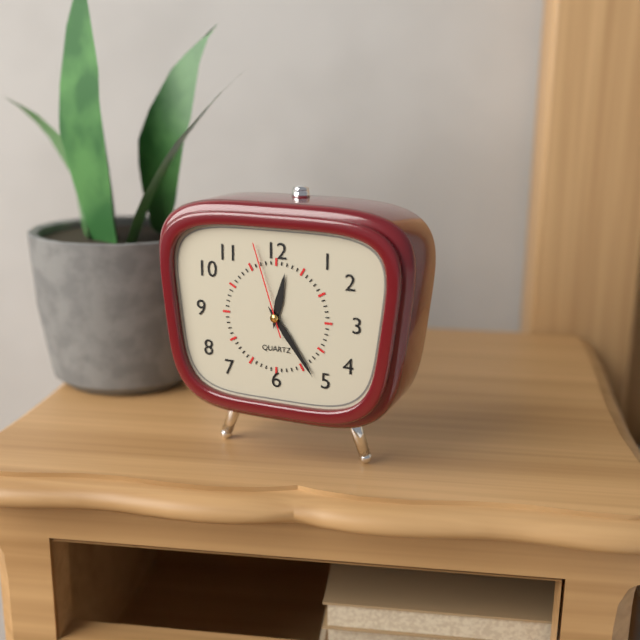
12:24:57
